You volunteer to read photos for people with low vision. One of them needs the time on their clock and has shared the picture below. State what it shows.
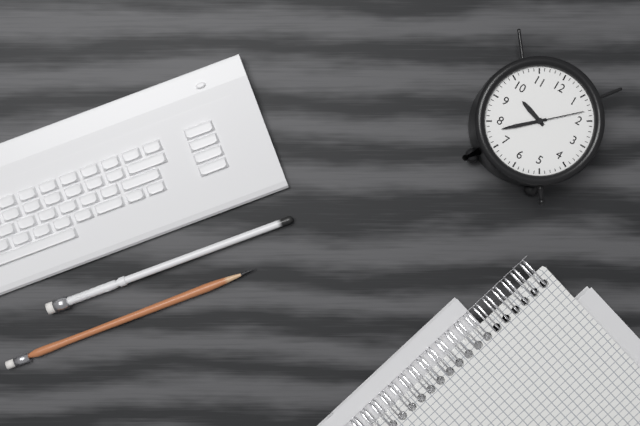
9:38:08
